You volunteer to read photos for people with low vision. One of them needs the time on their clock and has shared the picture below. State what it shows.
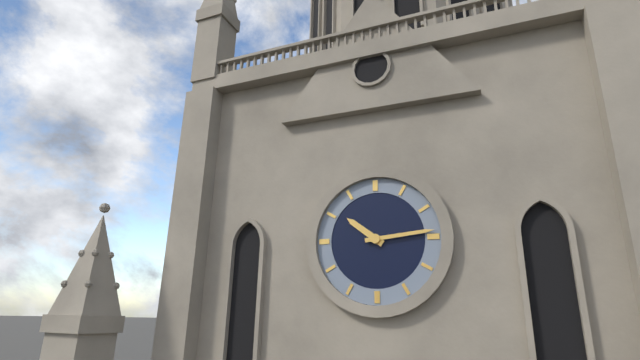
10:14
